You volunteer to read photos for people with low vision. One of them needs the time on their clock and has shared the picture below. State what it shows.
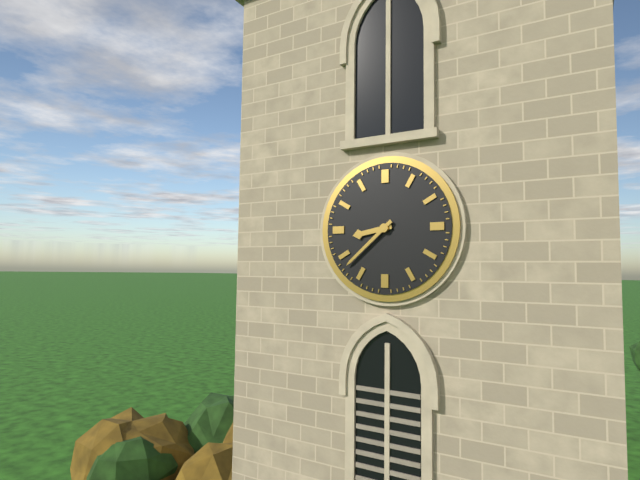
8:38
